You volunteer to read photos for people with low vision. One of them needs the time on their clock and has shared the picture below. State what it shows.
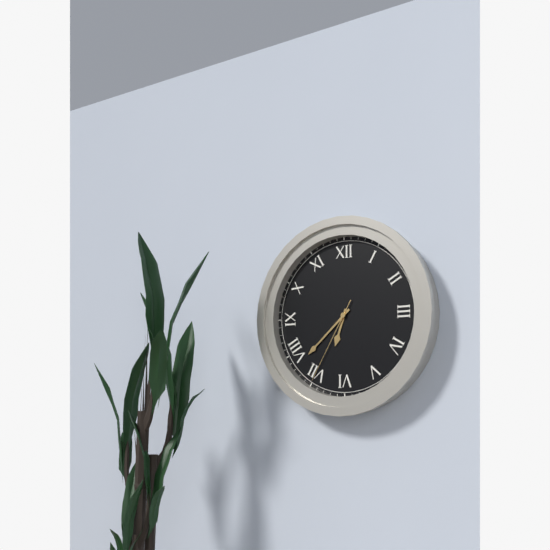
6:38:35
